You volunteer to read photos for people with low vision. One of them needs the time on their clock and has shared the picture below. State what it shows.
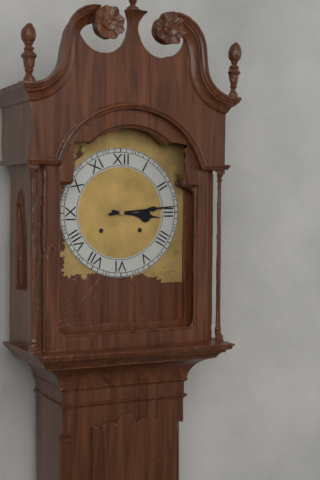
3:14
